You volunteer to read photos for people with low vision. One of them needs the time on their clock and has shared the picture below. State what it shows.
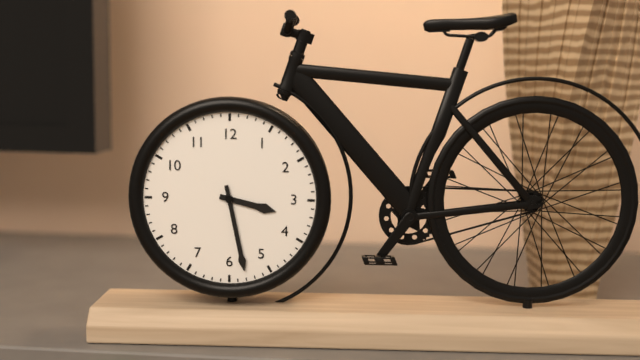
3:28
